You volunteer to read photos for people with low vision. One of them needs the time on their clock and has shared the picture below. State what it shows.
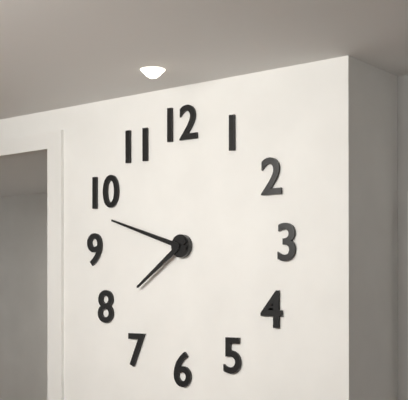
7:48
